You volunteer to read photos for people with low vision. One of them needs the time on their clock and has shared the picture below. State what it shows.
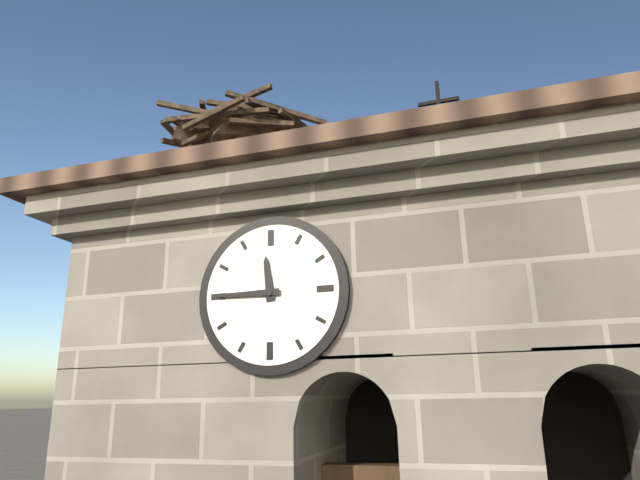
11:45
